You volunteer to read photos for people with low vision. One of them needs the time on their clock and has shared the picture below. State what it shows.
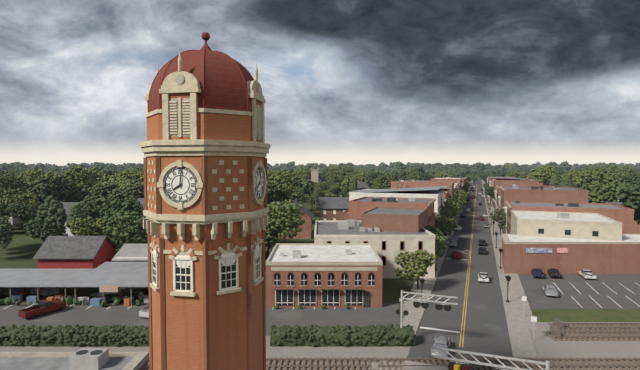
8:01
